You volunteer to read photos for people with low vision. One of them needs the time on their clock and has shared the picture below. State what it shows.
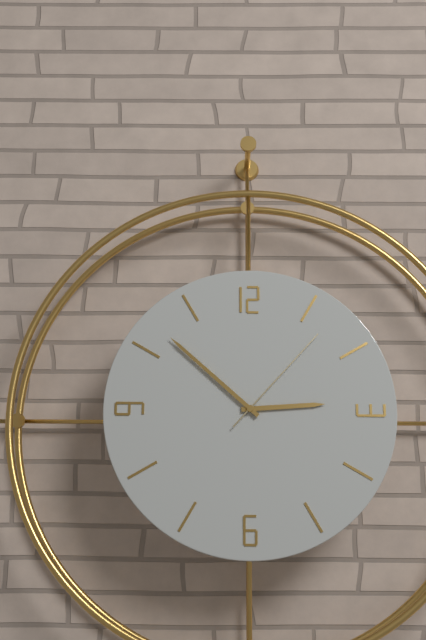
2:52:07
